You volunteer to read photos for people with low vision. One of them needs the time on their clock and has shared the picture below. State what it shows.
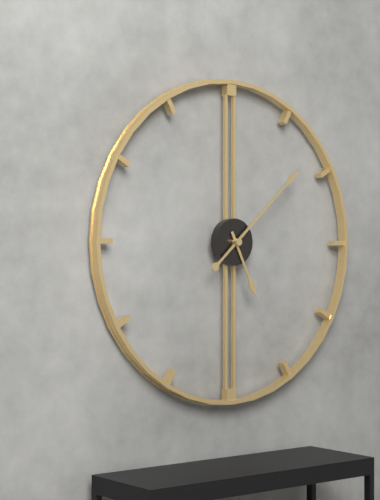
5:08
